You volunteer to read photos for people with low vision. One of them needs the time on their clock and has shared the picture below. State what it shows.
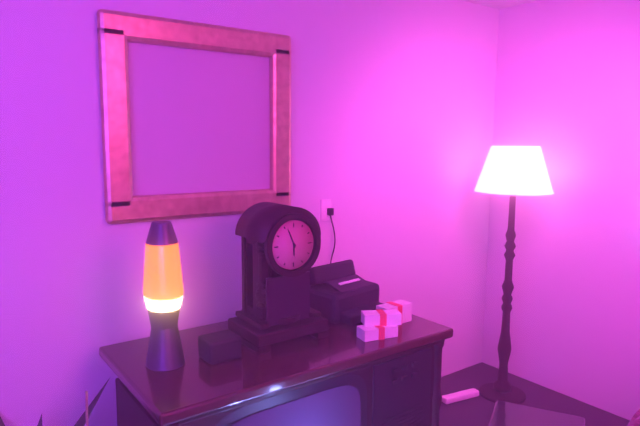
5:56
